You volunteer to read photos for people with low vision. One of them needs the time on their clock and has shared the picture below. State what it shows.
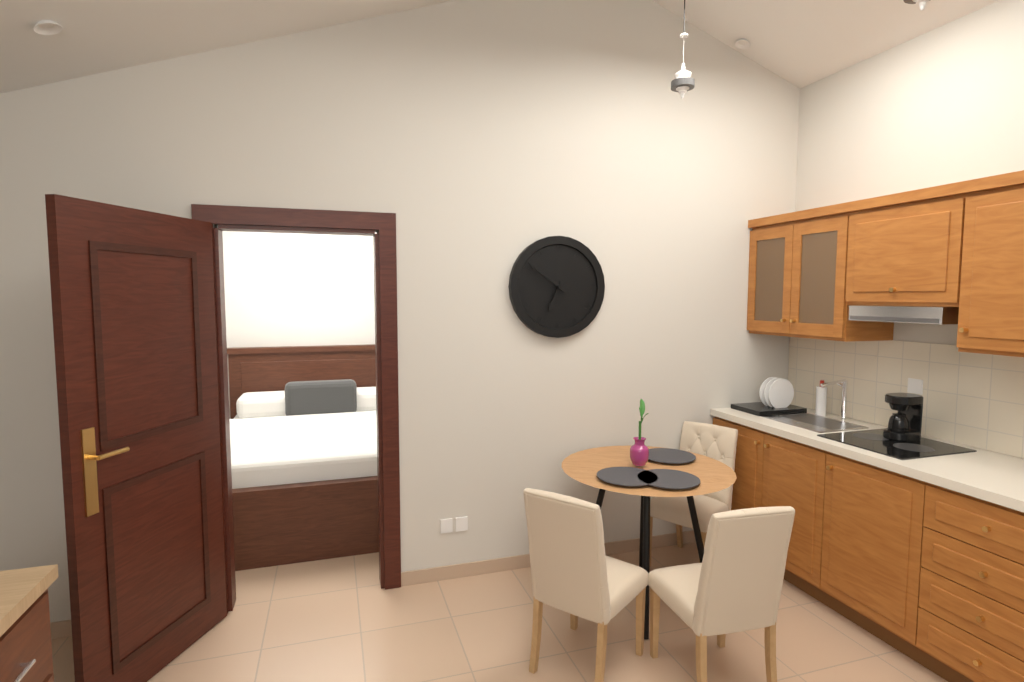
6:51
